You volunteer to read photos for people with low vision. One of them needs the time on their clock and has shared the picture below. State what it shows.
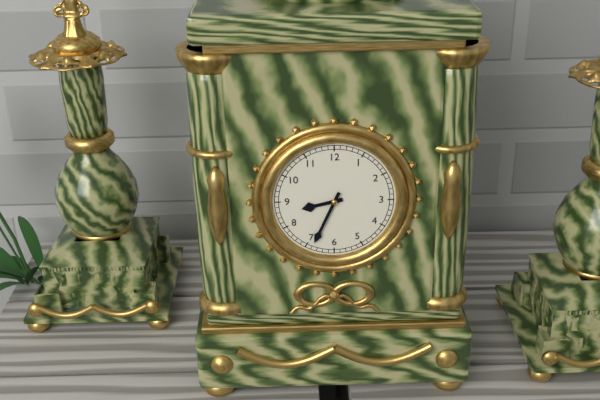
8:34
